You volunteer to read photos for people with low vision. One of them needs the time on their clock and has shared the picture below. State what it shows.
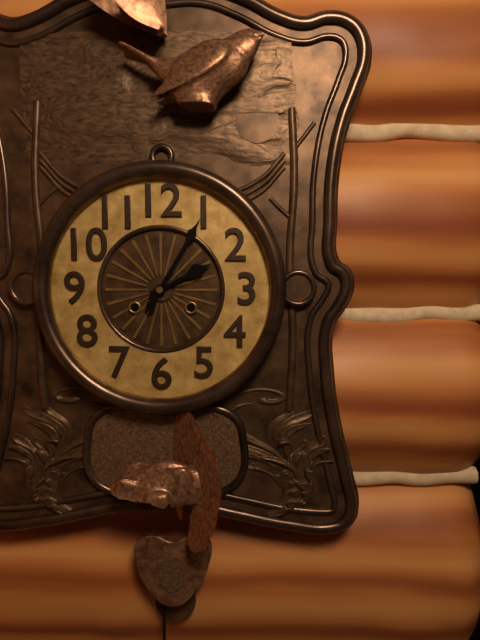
2:05
